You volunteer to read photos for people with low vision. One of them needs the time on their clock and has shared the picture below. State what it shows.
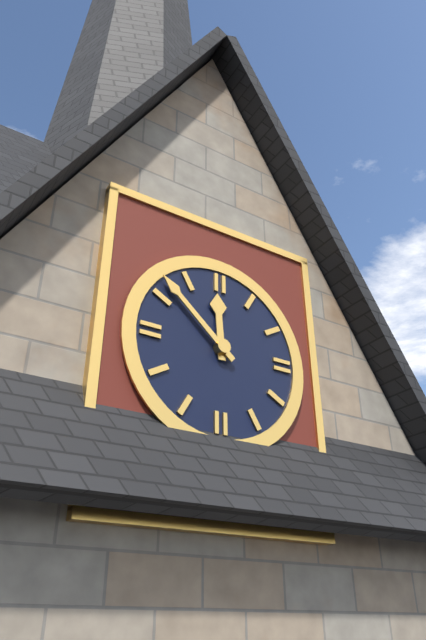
11:52
